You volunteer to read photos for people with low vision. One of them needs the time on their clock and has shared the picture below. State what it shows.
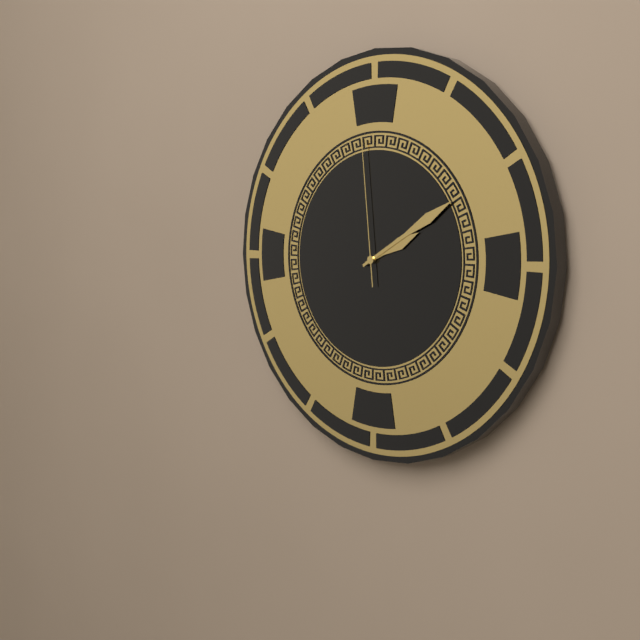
2:10:59
